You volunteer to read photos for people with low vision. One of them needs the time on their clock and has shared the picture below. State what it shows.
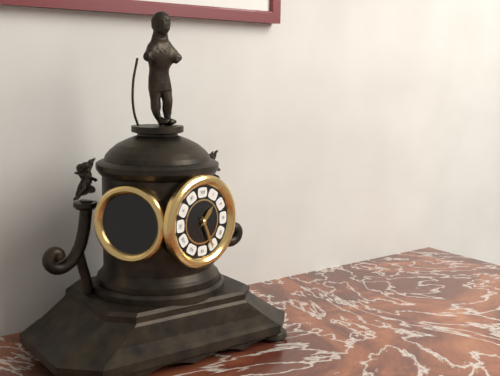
1:26
